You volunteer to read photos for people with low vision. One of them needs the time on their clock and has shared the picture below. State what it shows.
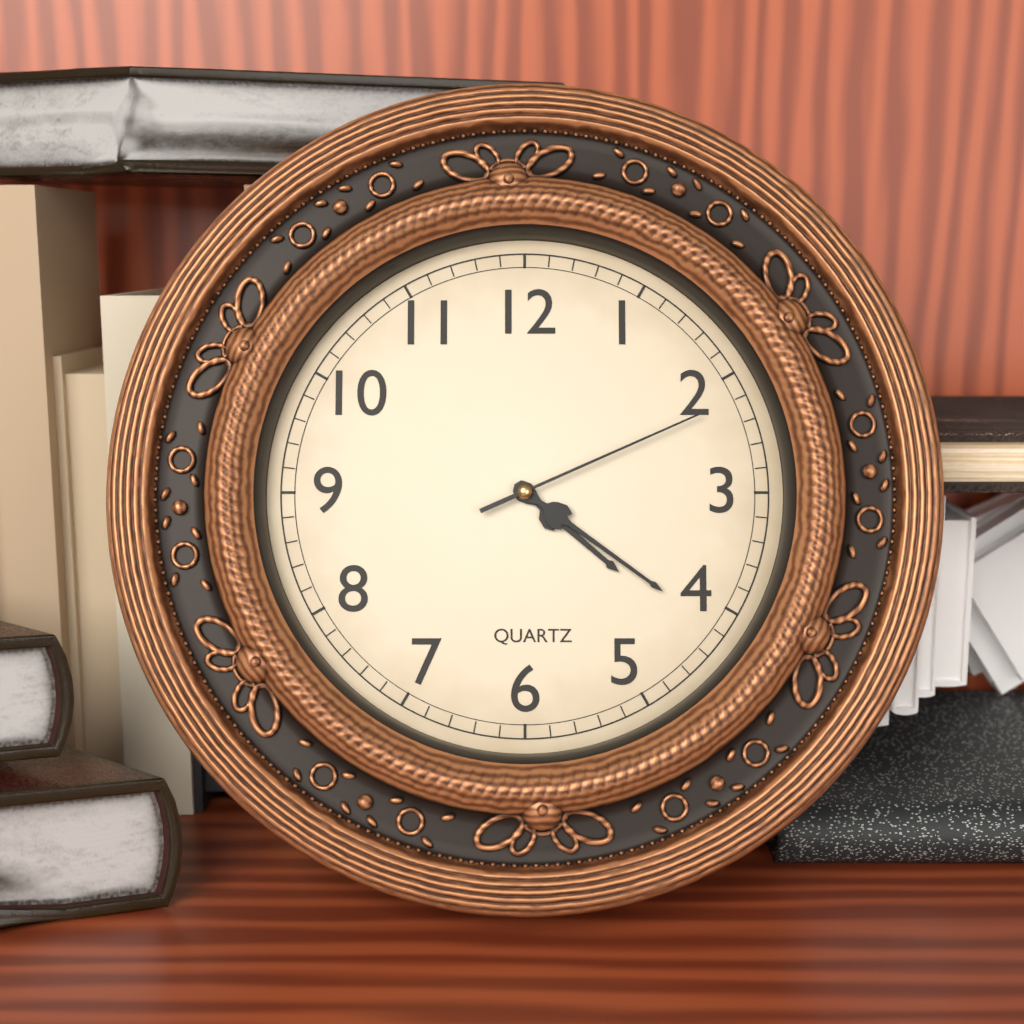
4:21:11
